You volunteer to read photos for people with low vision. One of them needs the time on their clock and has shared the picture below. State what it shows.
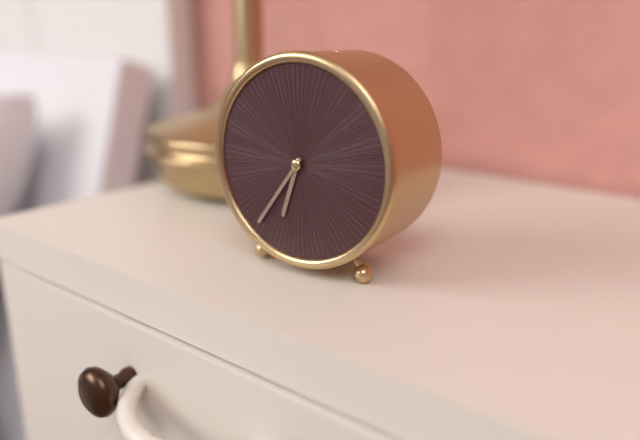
6:36
